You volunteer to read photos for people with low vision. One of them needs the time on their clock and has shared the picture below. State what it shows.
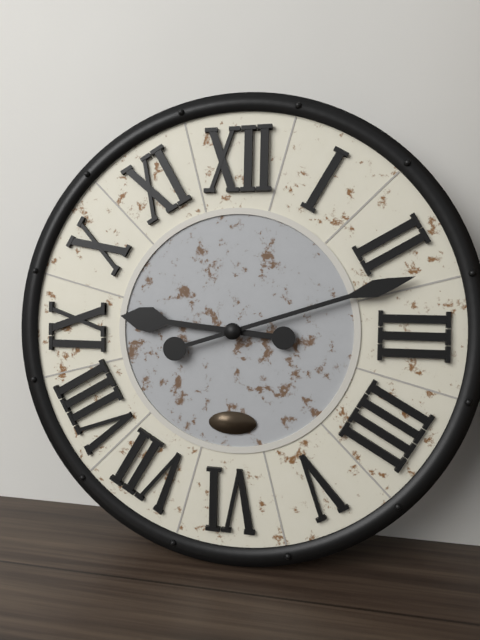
9:12
